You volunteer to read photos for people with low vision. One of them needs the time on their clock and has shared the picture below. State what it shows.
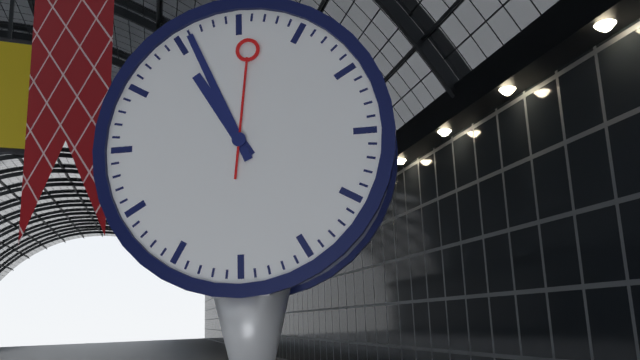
10:56:01
